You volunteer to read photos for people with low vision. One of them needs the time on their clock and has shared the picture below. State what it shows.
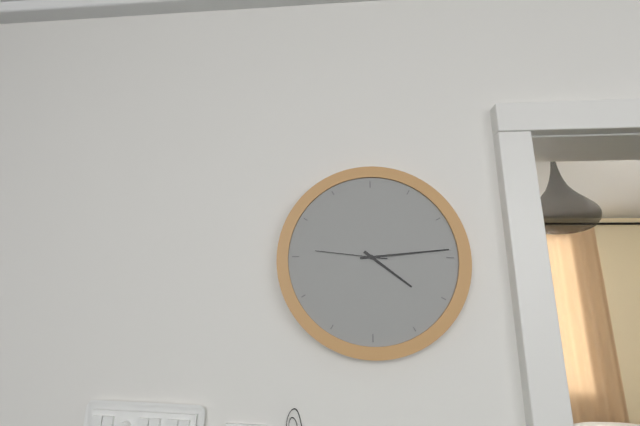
4:14:46
